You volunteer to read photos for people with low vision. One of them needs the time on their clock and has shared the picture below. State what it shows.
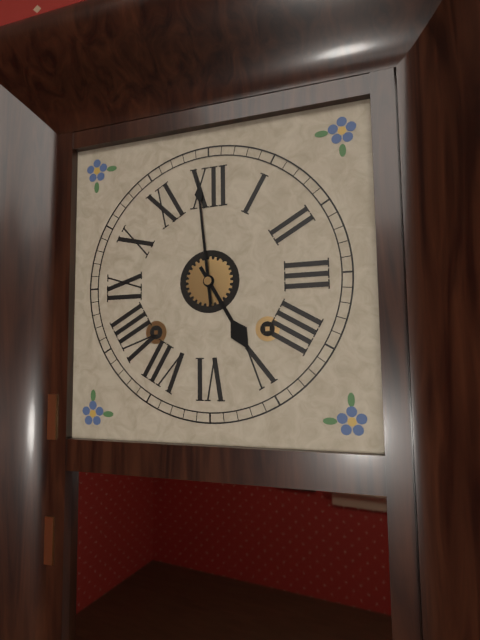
4:59
